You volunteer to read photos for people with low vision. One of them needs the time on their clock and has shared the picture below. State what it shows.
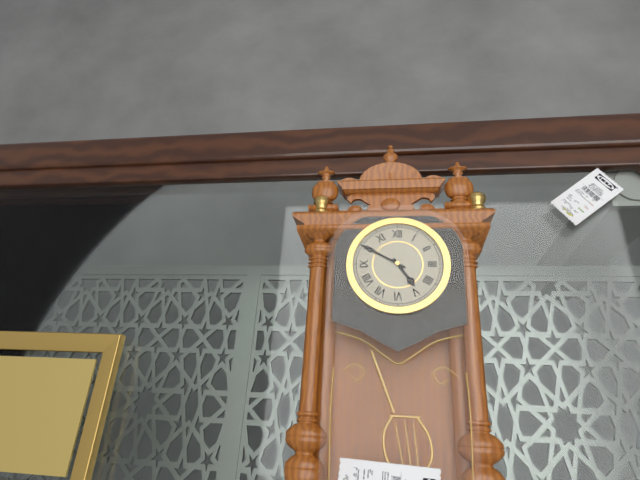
4:50
